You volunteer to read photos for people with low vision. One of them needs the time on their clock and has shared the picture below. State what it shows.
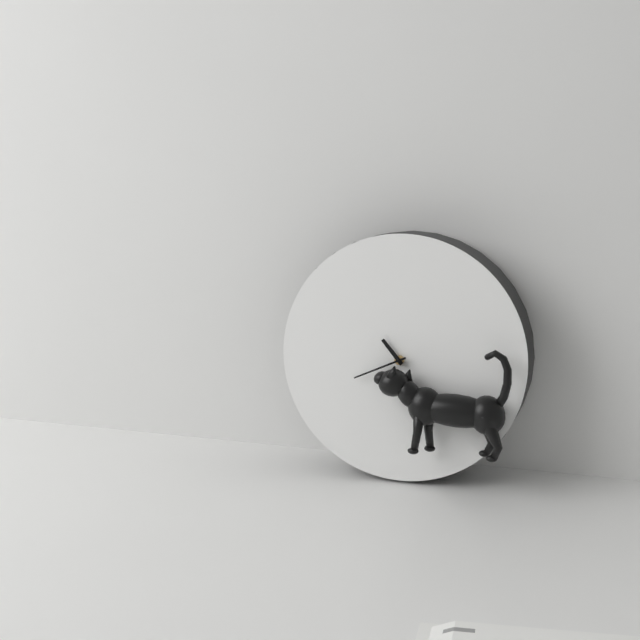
10:41
